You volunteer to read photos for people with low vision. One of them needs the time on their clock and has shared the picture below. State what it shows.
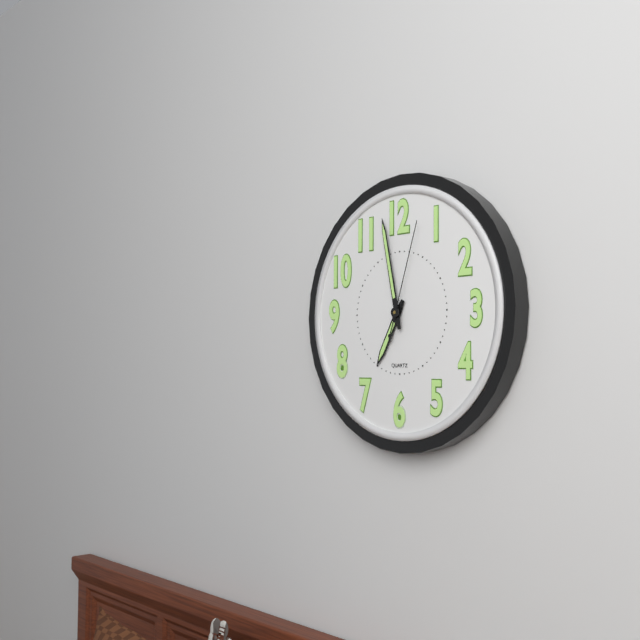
6:58:03
